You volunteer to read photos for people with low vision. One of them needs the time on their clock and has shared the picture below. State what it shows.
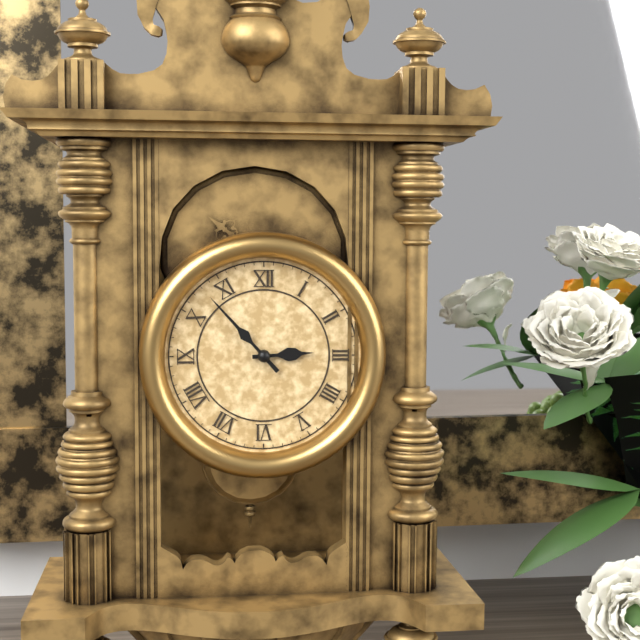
2:53
